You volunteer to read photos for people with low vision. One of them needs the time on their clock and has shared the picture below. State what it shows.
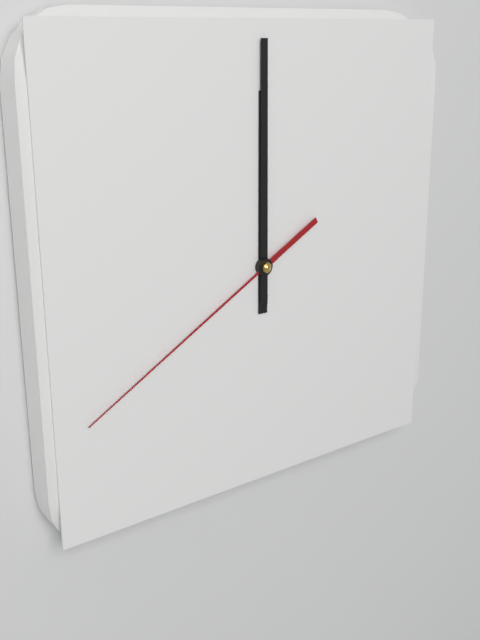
12:00:40
